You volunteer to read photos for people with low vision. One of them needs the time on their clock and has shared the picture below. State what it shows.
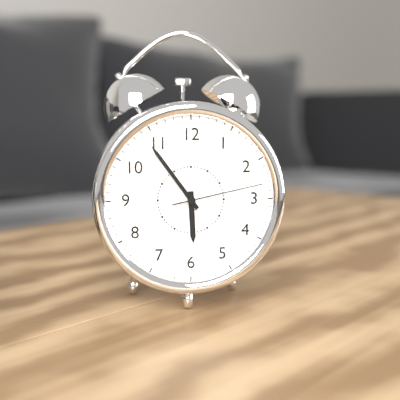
5:54:13
